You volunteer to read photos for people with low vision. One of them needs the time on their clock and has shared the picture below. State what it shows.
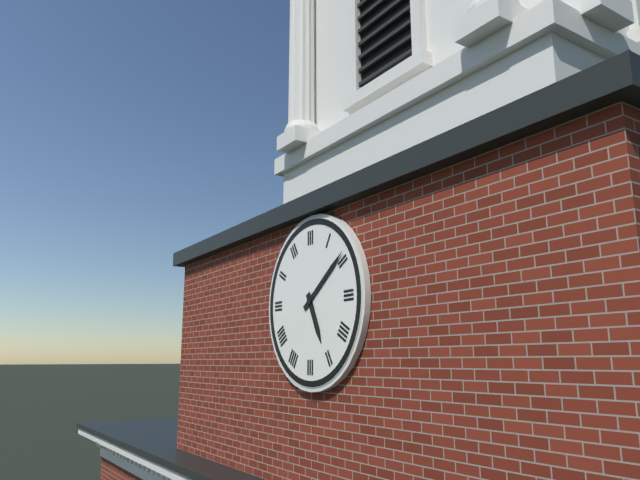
5:09
